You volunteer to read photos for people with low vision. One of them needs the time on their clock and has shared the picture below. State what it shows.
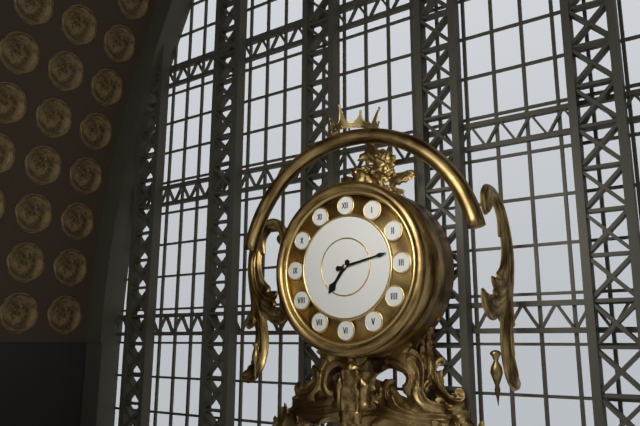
7:13
